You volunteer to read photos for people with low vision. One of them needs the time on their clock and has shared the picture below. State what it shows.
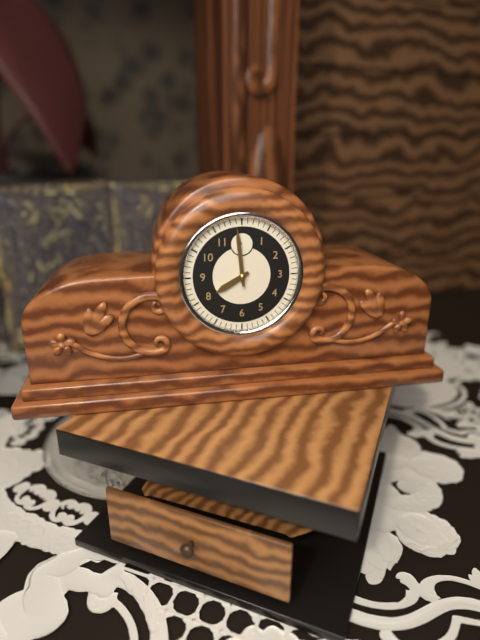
7:59
